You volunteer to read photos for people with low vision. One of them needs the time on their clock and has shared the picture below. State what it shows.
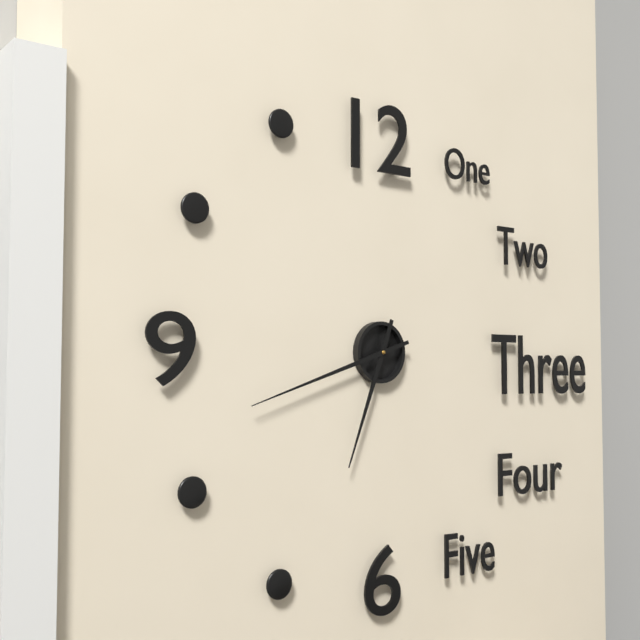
6:42
